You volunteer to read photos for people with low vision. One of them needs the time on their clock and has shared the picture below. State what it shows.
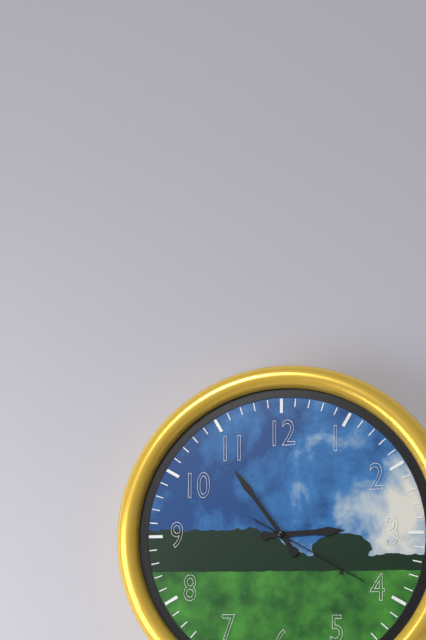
2:54:20
